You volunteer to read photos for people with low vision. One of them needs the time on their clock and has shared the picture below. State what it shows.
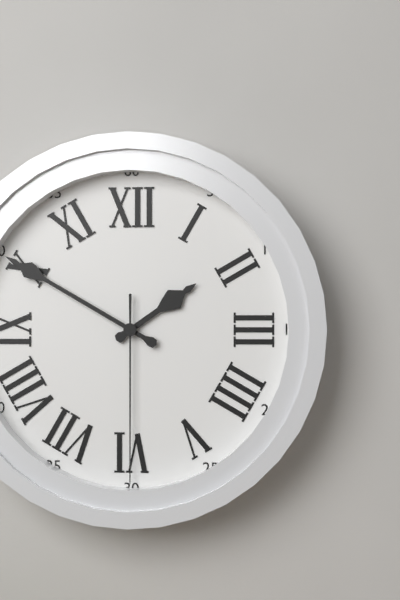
1:50:30
